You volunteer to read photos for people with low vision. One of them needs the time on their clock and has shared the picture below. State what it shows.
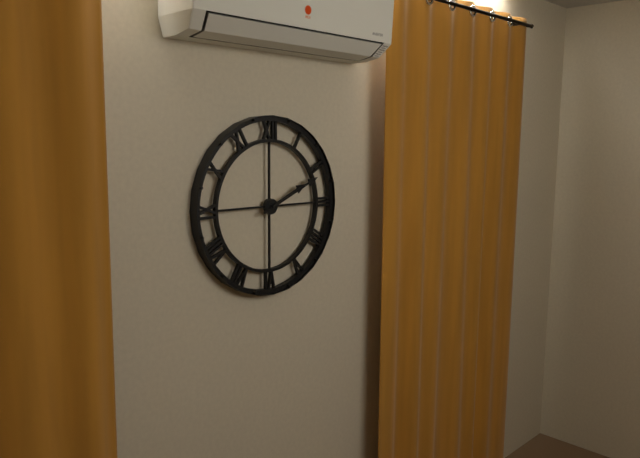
2:11
